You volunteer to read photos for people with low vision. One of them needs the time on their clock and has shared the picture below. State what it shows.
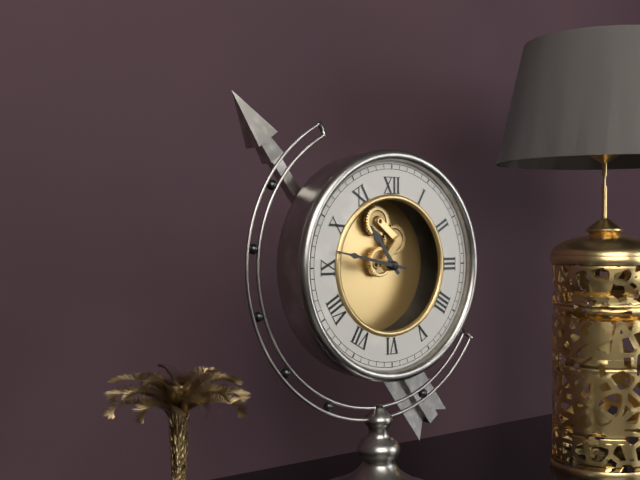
10:47
